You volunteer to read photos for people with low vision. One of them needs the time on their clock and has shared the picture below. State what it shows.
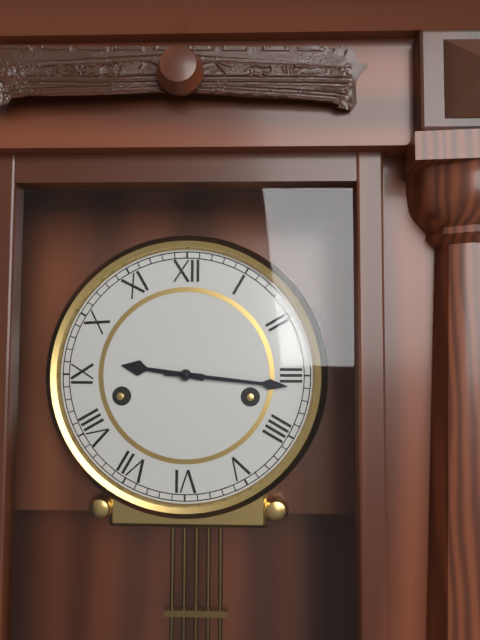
9:16
